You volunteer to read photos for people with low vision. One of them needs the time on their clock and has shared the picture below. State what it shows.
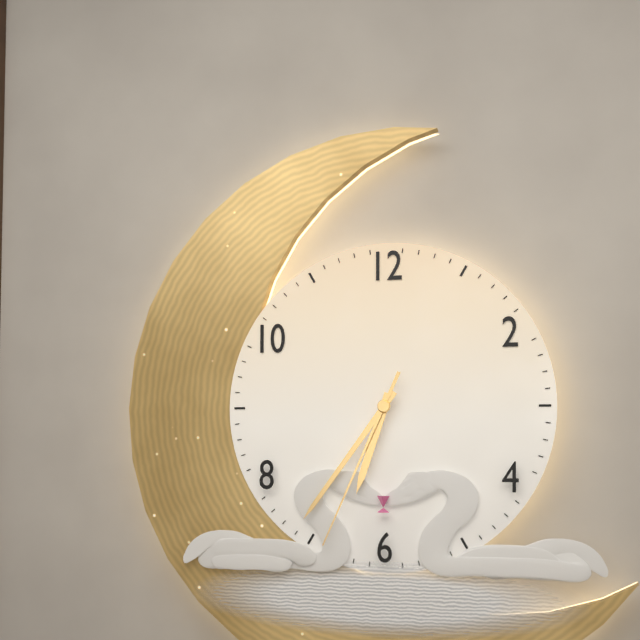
6:36:34
